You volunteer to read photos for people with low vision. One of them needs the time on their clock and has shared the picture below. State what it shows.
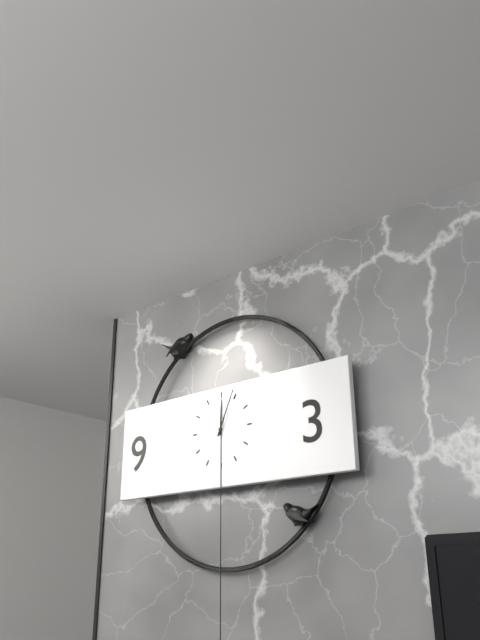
12:04
